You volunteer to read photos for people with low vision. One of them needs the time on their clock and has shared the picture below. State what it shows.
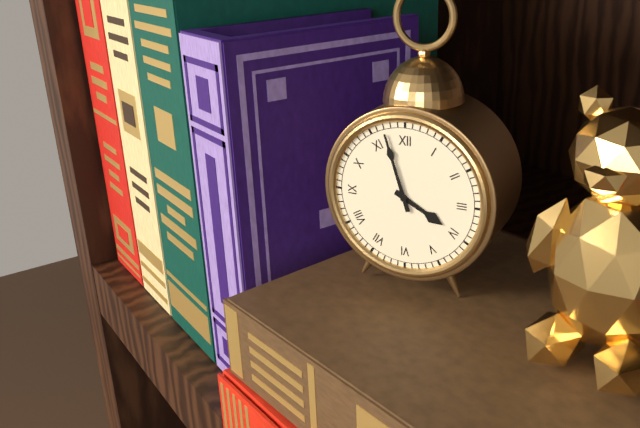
3:57
